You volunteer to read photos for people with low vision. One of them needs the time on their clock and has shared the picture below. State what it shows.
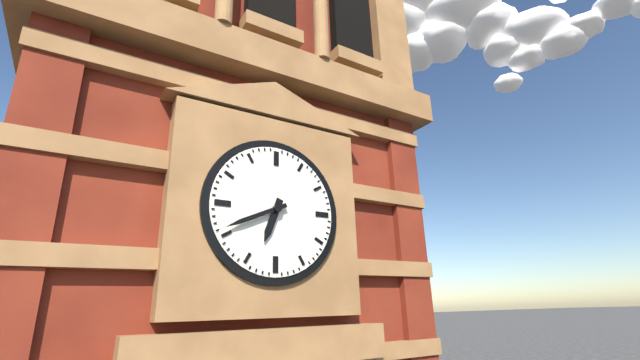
6:41
